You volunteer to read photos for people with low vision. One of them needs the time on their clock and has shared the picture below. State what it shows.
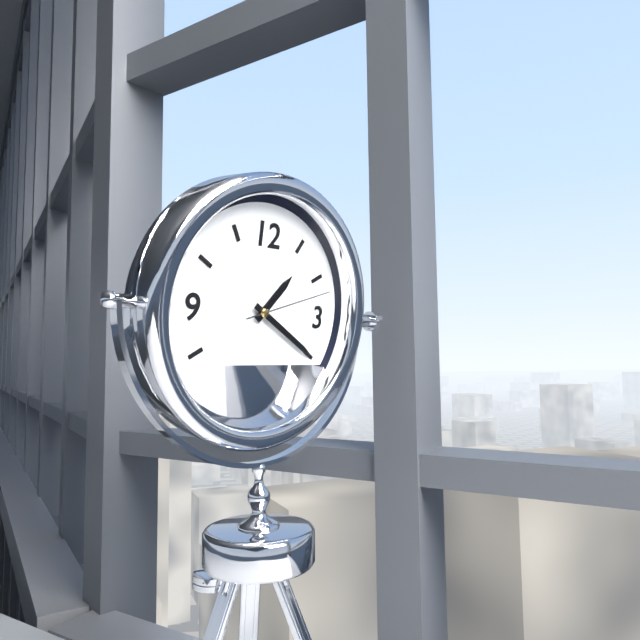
1:20:12
